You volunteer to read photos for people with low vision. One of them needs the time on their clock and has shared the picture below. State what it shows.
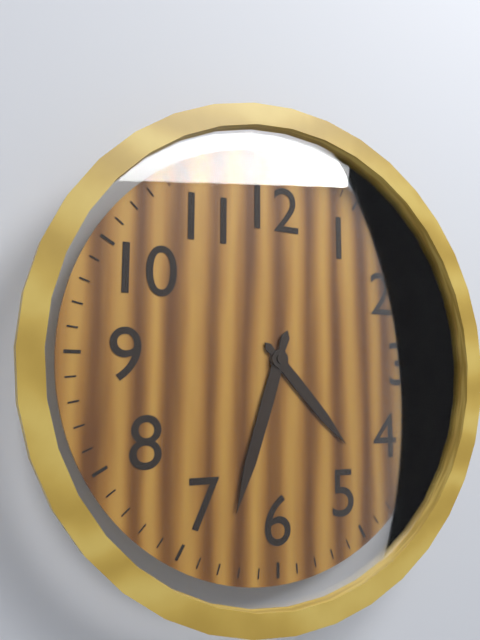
4:33
